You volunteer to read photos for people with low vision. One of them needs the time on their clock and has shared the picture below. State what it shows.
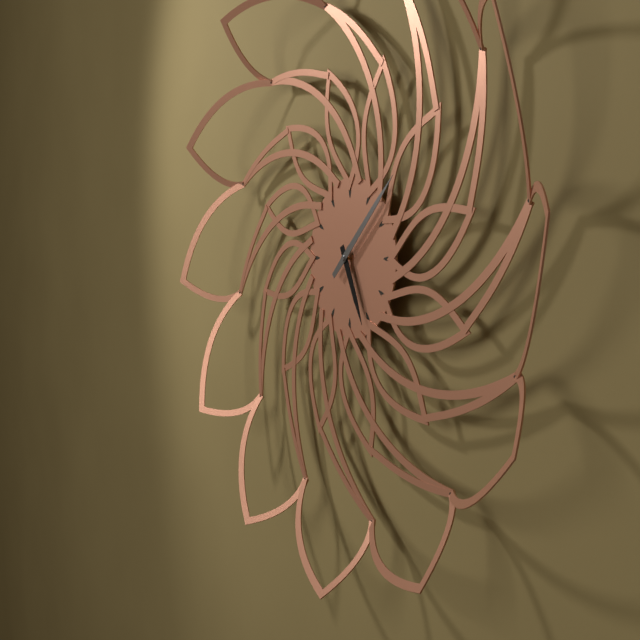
5:08
